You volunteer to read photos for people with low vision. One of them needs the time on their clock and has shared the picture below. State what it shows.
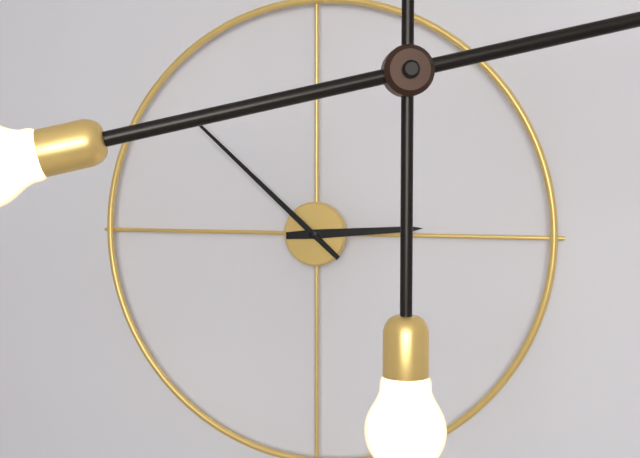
2:52
